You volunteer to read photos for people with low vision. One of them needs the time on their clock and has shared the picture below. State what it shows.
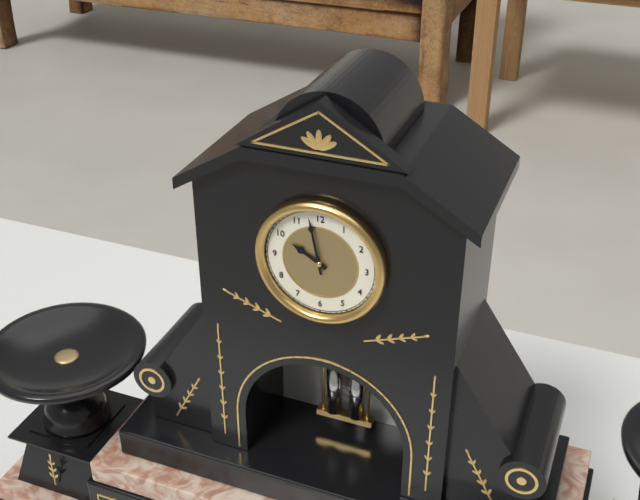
9:58
